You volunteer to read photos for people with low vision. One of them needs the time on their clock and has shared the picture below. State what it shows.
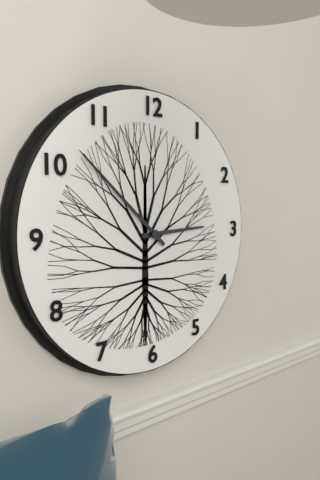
2:52
